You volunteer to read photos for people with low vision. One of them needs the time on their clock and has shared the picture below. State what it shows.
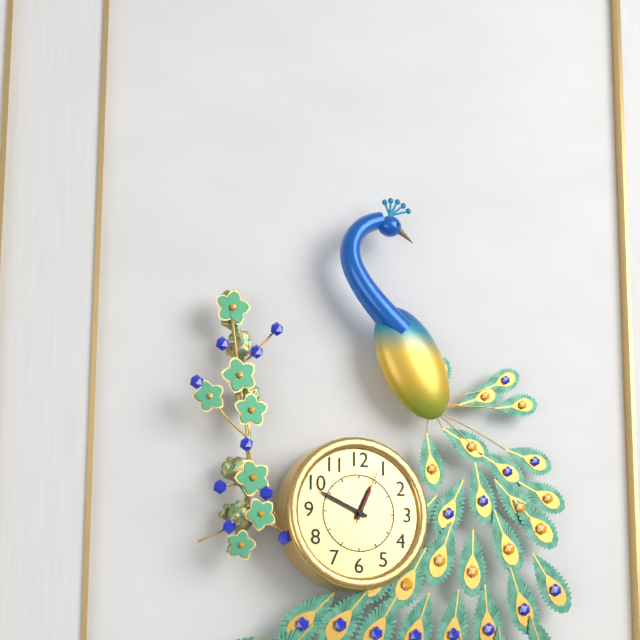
12:49:04
